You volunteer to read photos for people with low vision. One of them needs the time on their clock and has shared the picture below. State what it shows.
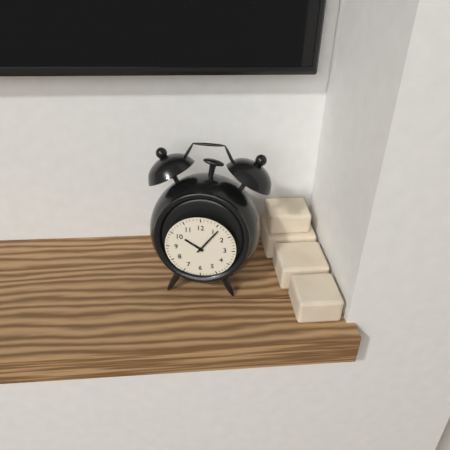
10:06
